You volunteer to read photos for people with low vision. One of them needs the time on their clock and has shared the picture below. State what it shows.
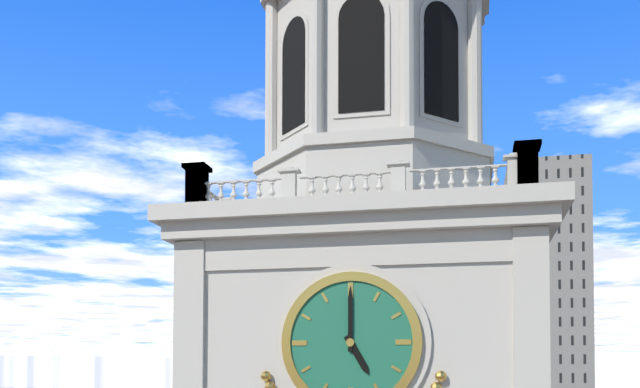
5:00
